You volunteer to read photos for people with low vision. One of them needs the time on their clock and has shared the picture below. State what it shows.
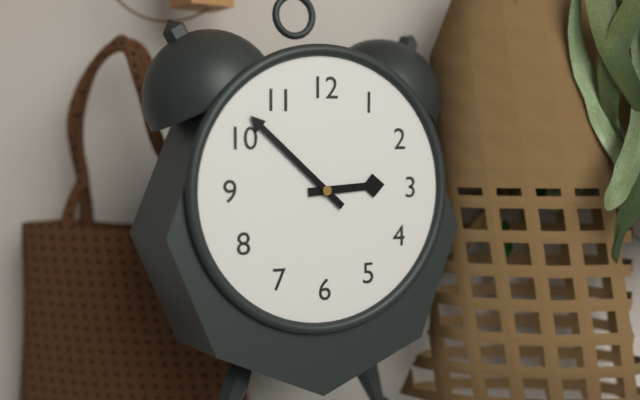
2:52
